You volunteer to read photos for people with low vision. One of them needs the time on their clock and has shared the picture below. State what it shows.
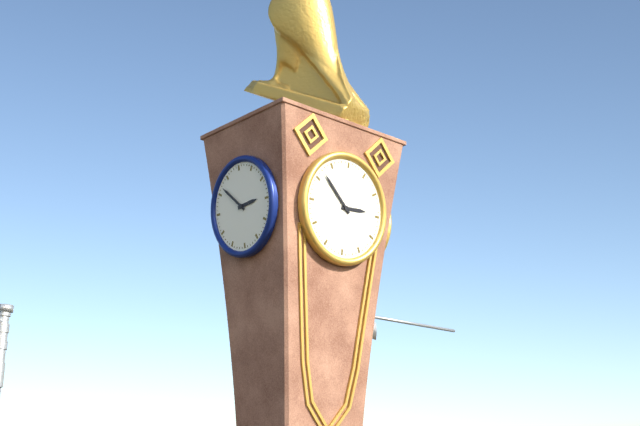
2:52
